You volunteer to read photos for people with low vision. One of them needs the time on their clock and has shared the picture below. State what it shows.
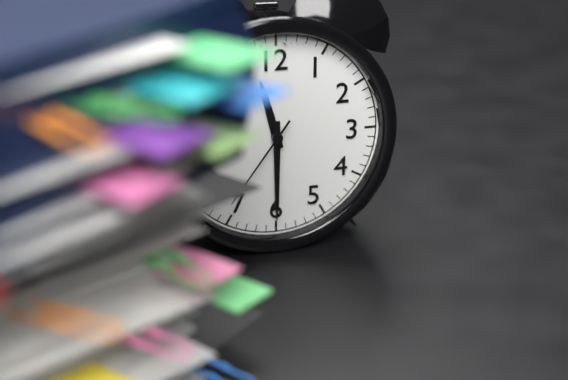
11:30:36
